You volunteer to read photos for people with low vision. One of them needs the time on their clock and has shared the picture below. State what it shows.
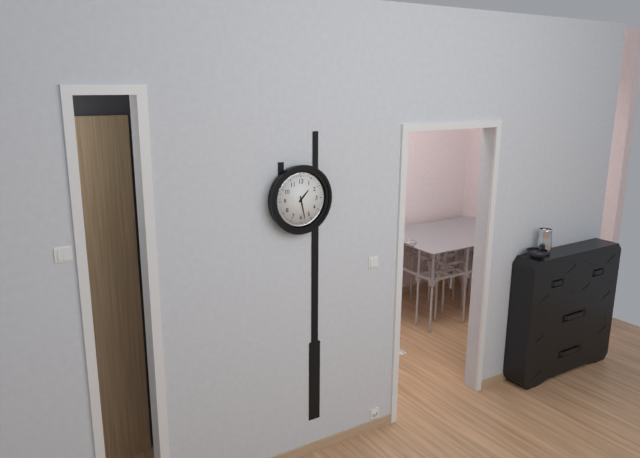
1:28
